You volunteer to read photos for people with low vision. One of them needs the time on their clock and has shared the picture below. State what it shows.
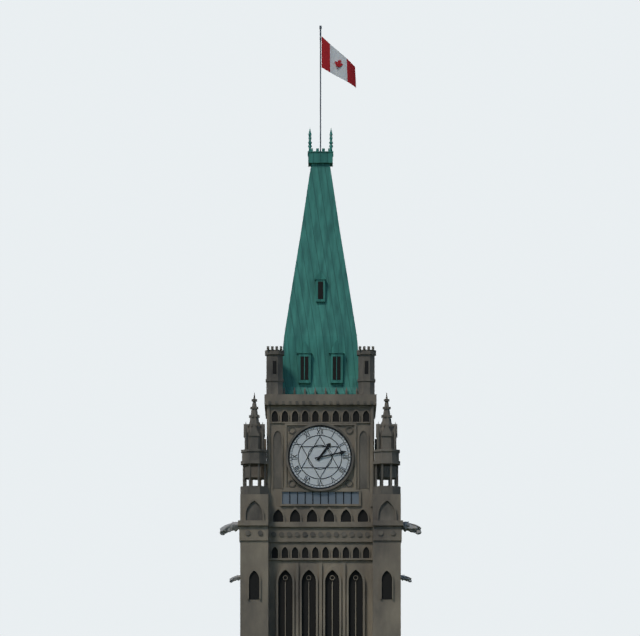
1:13
